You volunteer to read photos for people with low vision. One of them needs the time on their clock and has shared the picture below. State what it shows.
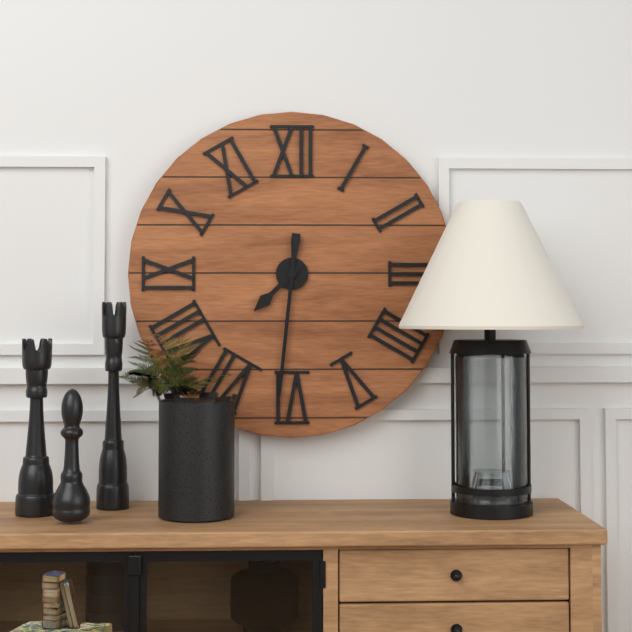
7:31
